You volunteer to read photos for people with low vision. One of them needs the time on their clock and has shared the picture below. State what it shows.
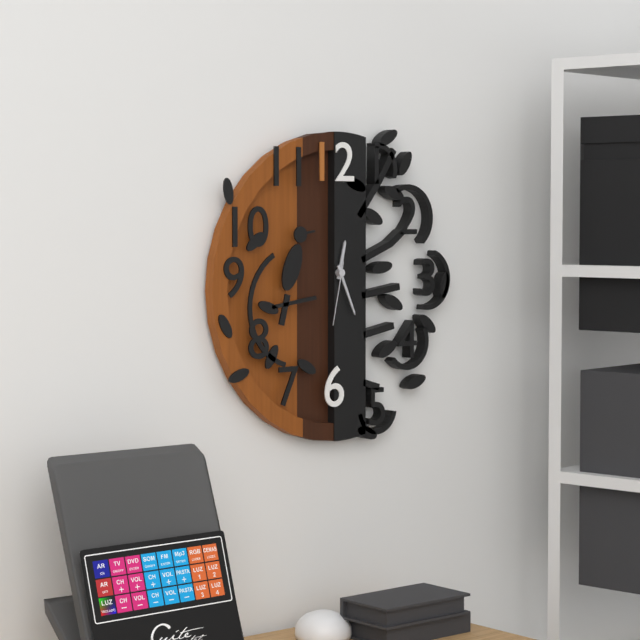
12:26:32
